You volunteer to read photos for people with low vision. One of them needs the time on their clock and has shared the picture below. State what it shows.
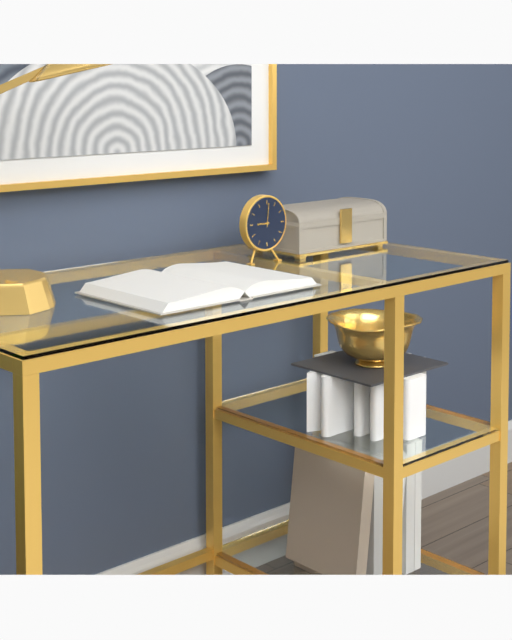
9:01
